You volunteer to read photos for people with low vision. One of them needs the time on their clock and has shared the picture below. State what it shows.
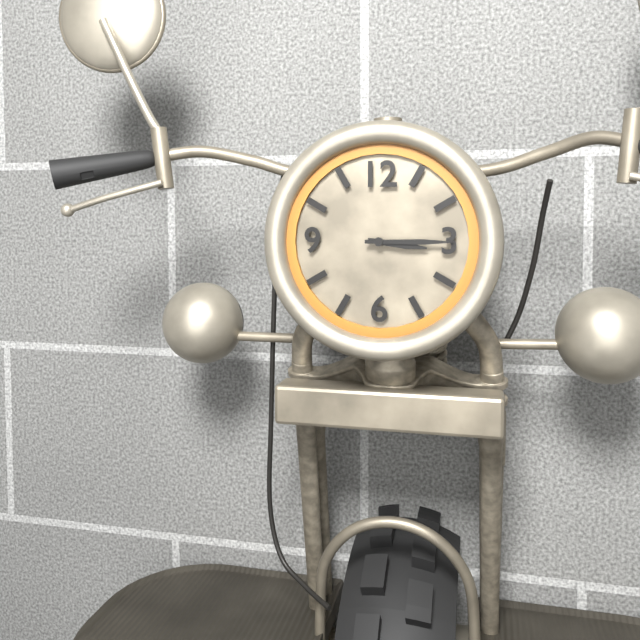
3:15
